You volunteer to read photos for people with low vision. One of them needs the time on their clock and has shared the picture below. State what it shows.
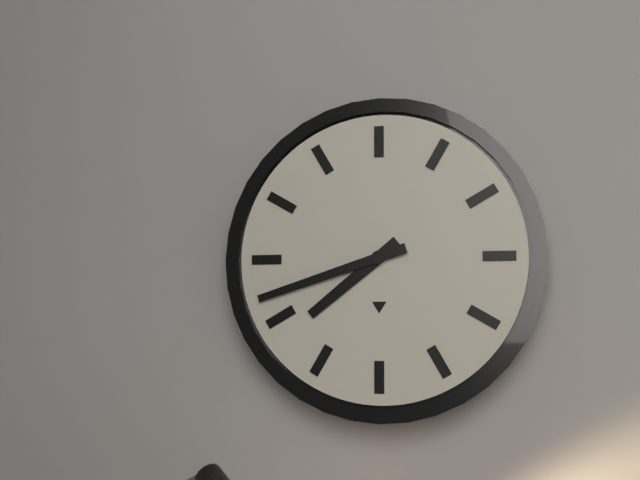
7:42
